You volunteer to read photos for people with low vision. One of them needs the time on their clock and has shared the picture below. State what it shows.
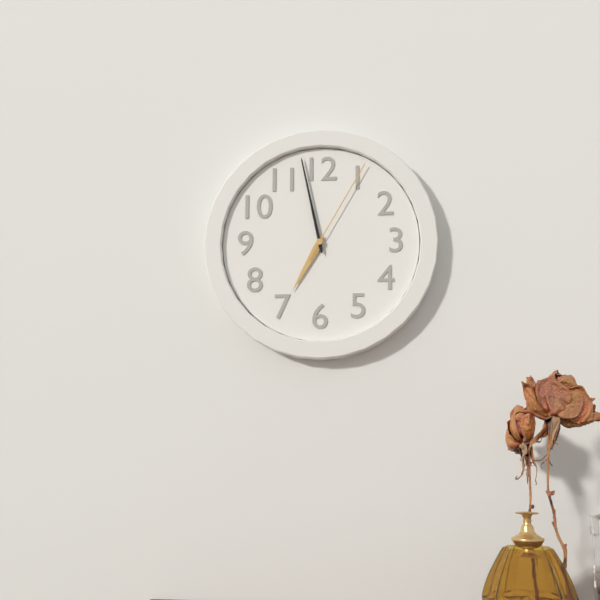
6:58:05
